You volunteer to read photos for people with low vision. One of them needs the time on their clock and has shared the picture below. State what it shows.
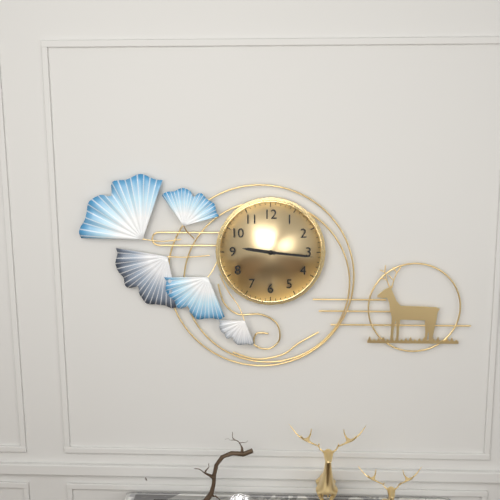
9:16
